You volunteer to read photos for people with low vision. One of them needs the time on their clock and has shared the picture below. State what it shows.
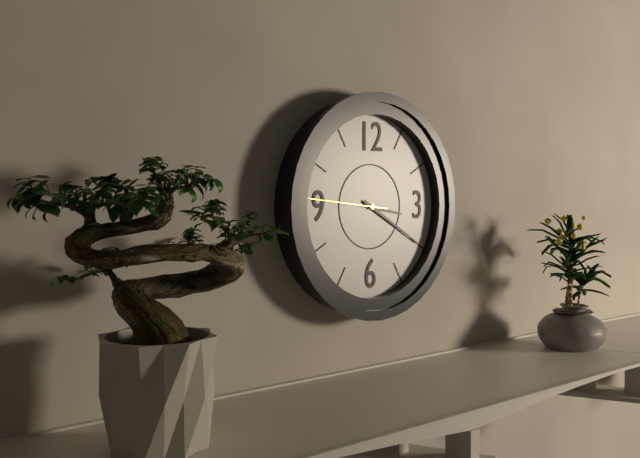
3:20:46
